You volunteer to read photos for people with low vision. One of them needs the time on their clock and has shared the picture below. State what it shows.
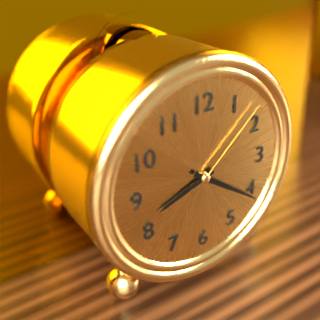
8:21:08
